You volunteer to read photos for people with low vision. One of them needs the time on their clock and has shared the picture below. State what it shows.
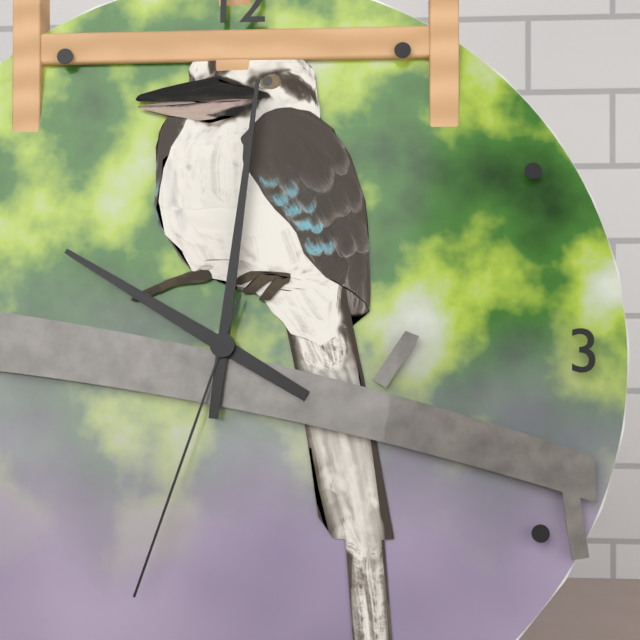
10:01:33
